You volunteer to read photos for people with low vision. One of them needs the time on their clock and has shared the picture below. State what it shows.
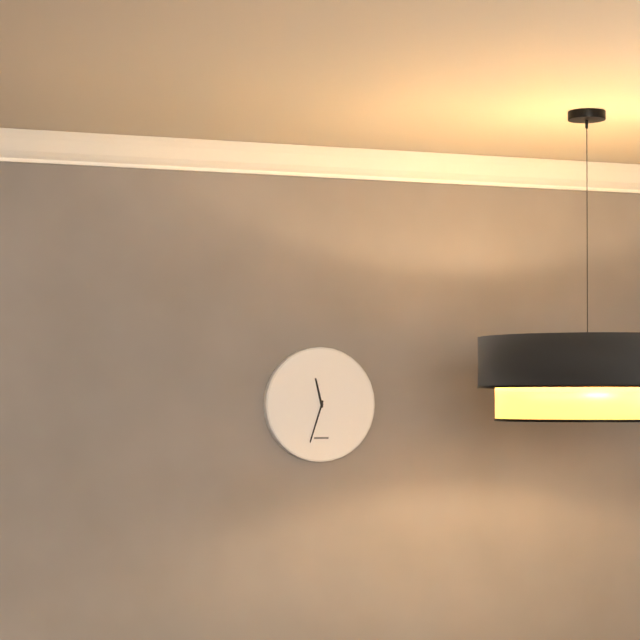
11:33
